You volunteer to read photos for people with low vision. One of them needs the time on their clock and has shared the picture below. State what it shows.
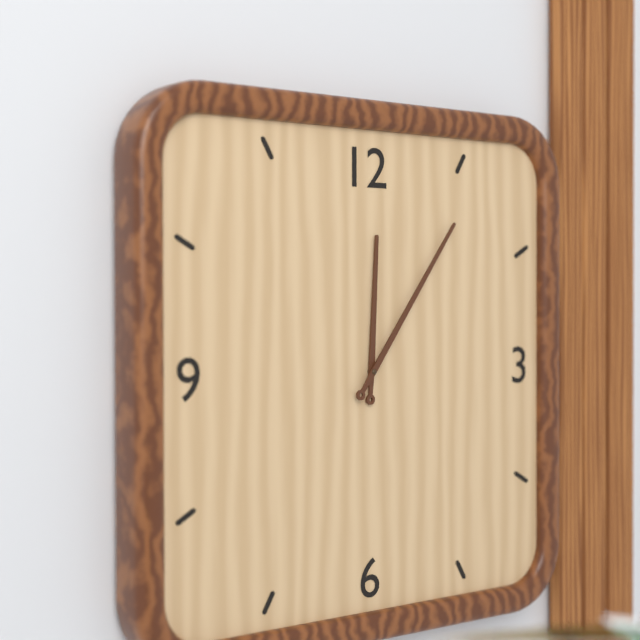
12:06
